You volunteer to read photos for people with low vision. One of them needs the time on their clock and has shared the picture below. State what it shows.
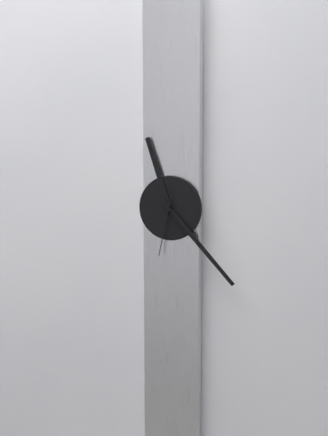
11:23:32
